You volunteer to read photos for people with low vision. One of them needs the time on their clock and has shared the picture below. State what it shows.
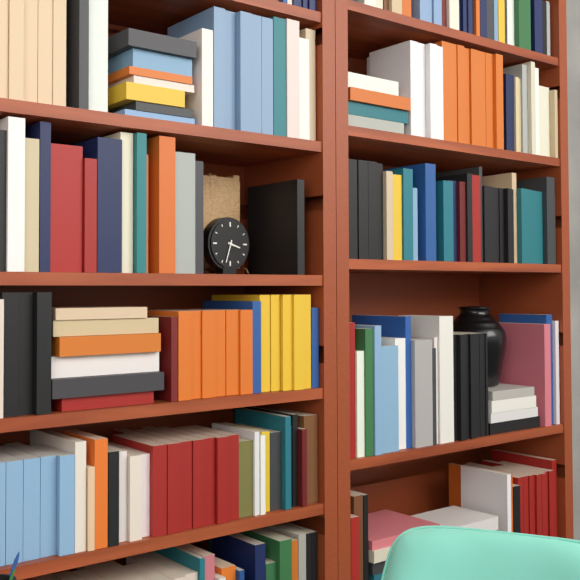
3:33
